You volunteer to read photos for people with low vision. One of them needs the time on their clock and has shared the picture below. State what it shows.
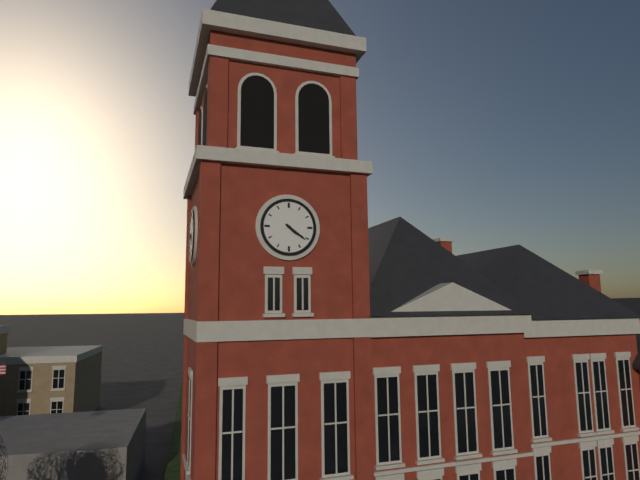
4:21
